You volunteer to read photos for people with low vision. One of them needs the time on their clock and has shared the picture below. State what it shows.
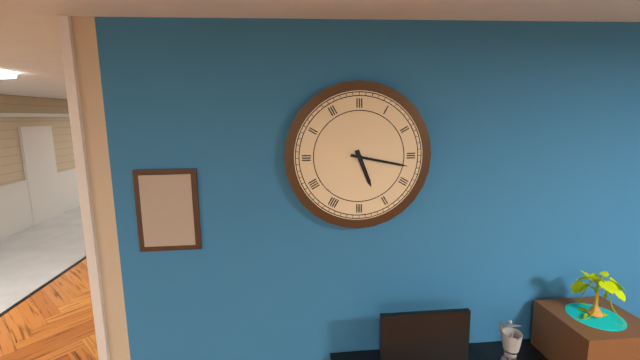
5:17
